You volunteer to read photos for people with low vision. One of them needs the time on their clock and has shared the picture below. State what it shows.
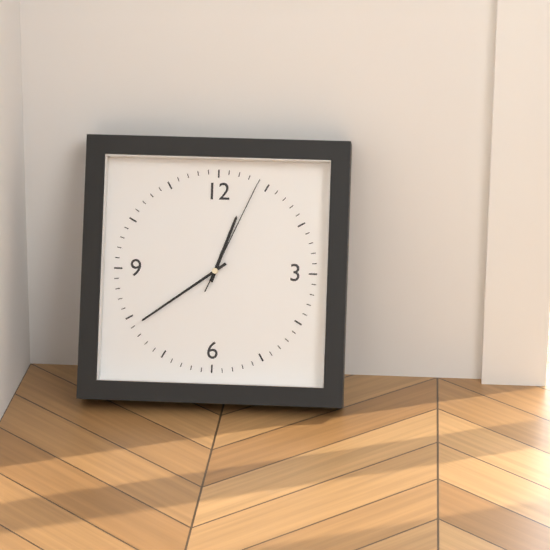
12:39:04
